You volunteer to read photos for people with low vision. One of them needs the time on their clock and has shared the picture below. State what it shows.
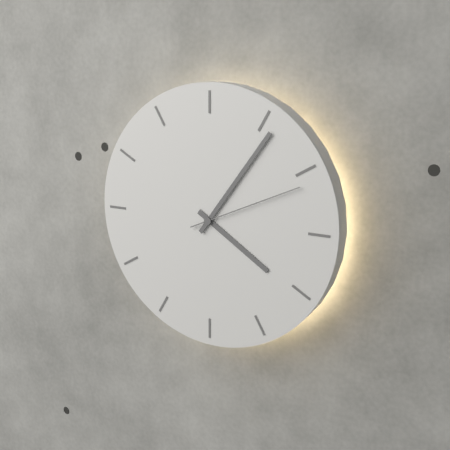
4:06:11
